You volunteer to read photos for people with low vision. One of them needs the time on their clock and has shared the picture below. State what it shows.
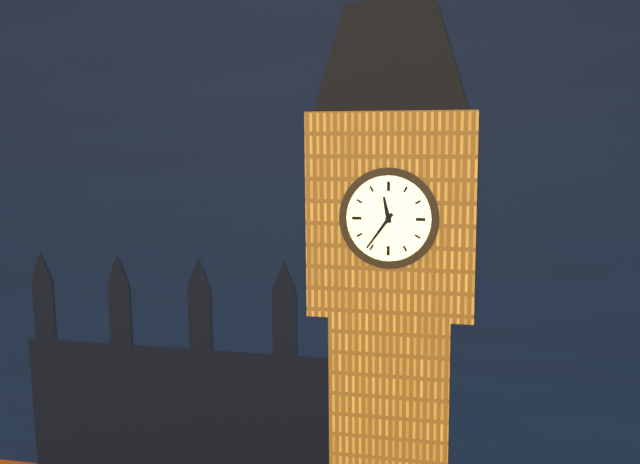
11:36
